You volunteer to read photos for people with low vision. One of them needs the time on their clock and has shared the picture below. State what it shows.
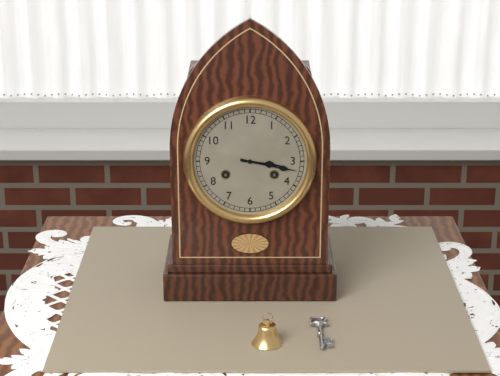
3:17
